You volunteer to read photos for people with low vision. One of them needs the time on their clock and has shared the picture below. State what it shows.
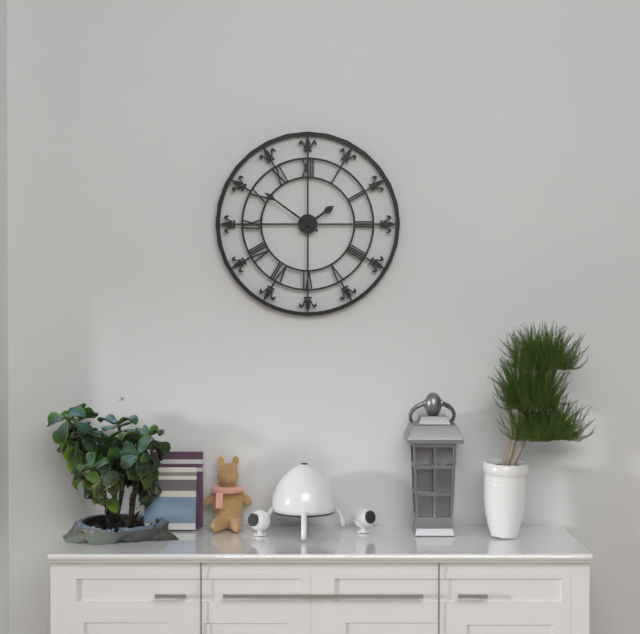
1:51
